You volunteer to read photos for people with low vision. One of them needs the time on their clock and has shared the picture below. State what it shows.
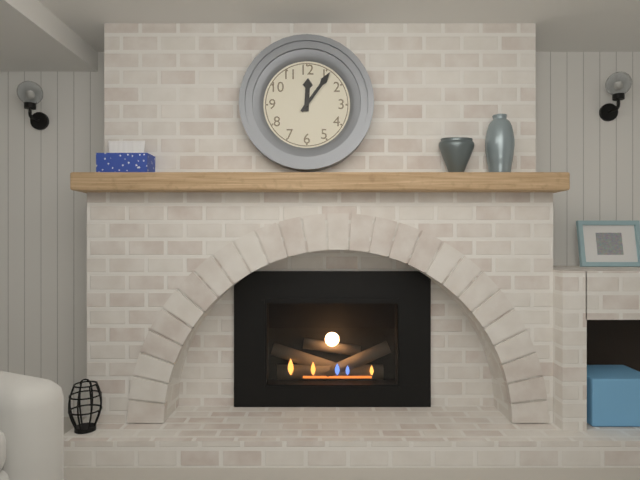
12:06
